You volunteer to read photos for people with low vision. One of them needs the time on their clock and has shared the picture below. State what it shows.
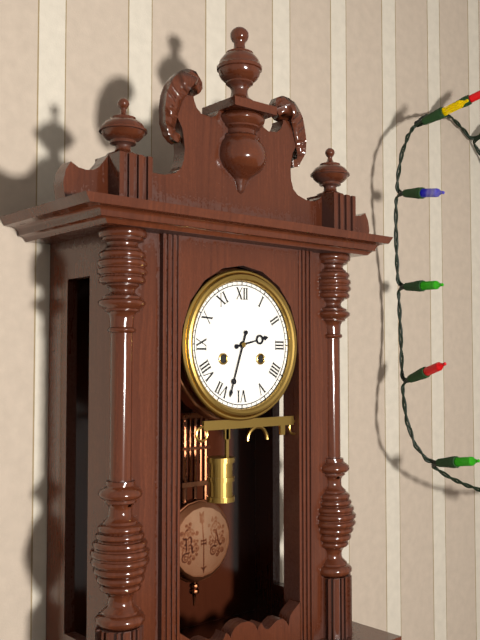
2:33
